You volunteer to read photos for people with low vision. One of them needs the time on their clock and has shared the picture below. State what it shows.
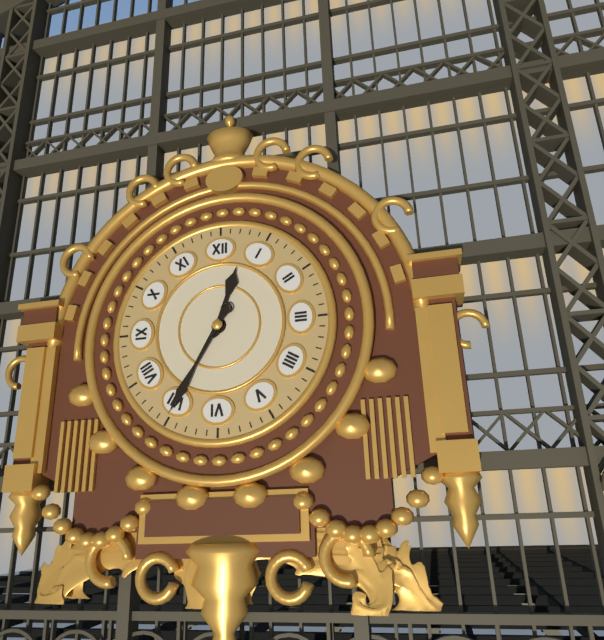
12:35
